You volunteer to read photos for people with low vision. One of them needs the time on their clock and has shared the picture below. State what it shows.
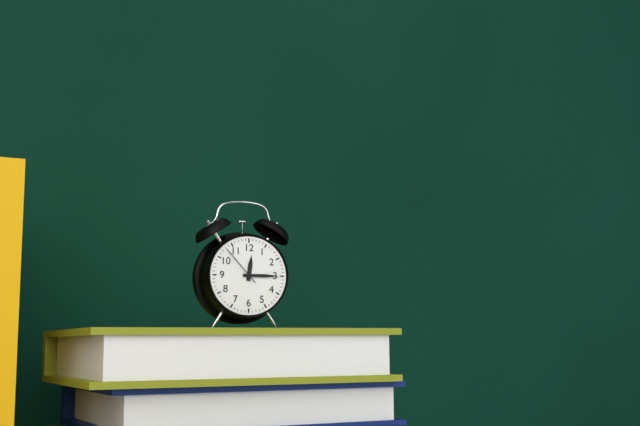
12:15
